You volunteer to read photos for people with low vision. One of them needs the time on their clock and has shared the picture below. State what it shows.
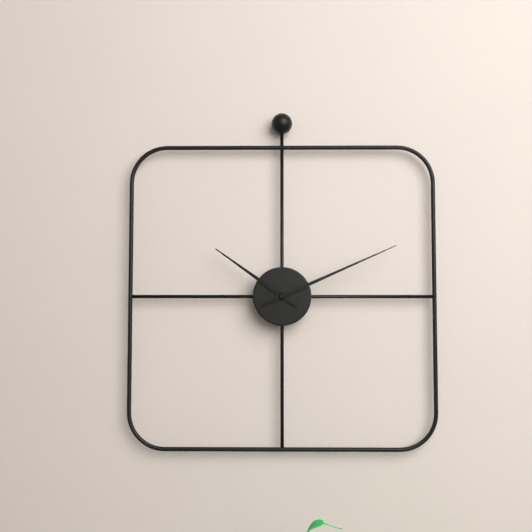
10:11
